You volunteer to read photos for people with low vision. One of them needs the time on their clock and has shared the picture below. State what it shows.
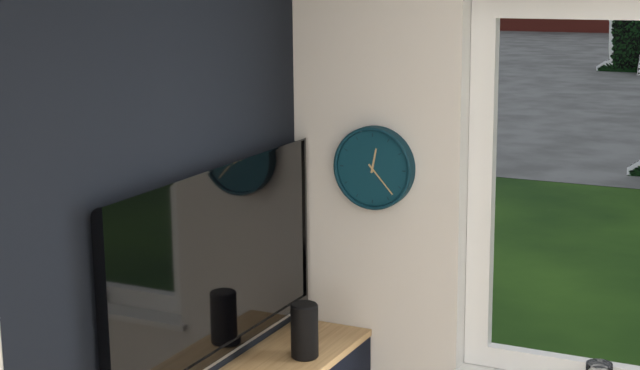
12:23
